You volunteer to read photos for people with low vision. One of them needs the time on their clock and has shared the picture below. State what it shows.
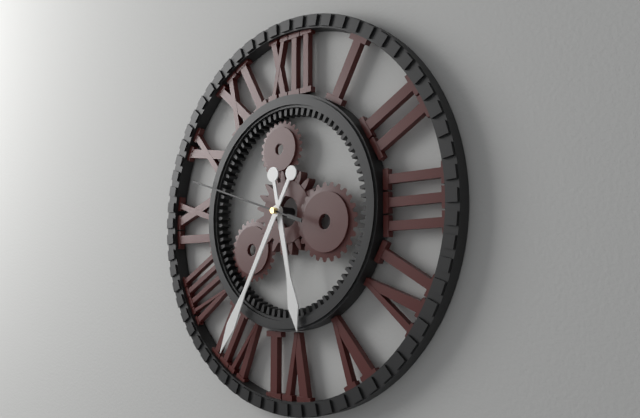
5:35:48
